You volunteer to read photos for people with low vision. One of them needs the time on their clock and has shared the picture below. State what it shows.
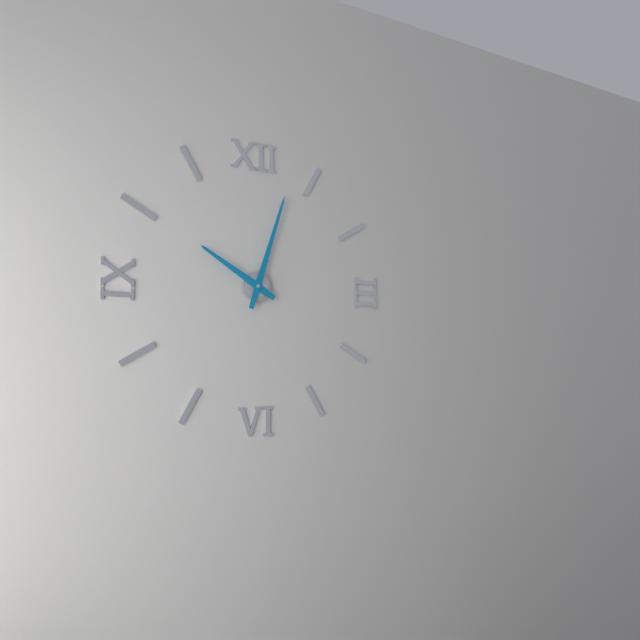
10:03
